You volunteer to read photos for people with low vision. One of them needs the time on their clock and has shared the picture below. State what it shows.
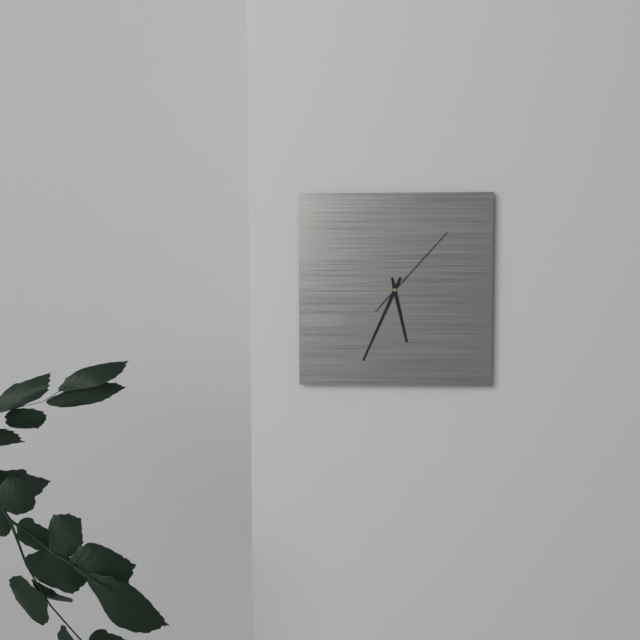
5:34:07
